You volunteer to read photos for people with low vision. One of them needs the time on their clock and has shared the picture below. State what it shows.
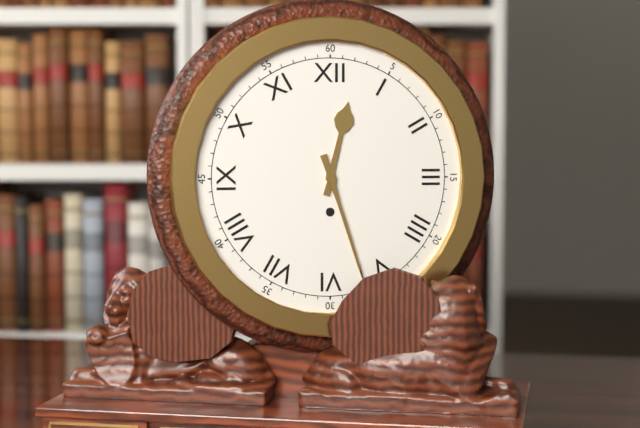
12:27
